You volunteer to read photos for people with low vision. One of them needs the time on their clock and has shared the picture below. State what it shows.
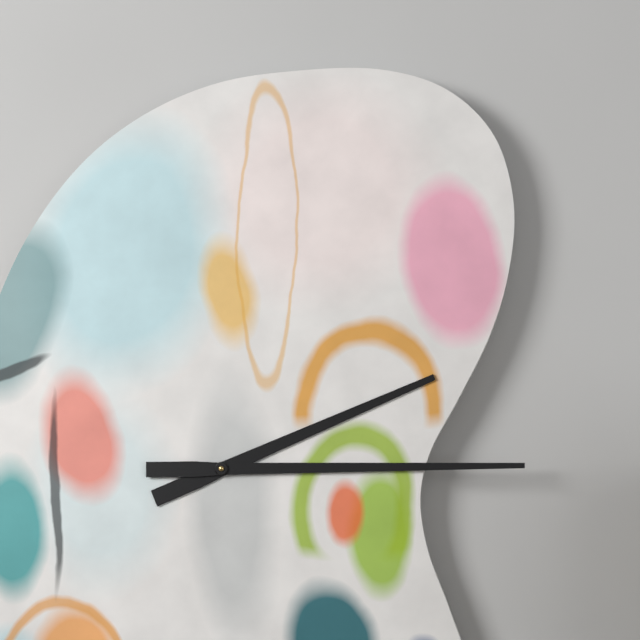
2:15
